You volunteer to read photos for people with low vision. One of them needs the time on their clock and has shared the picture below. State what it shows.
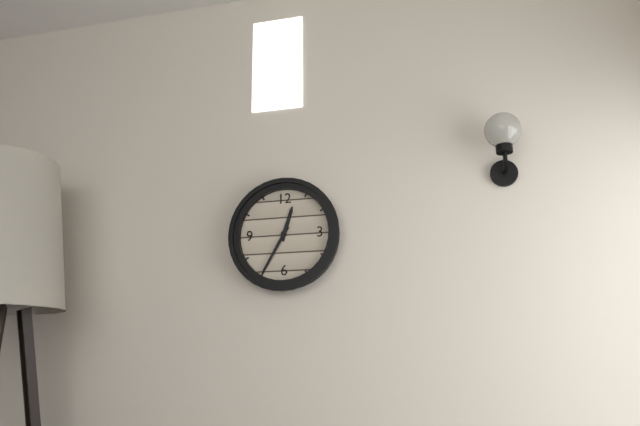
12:35
